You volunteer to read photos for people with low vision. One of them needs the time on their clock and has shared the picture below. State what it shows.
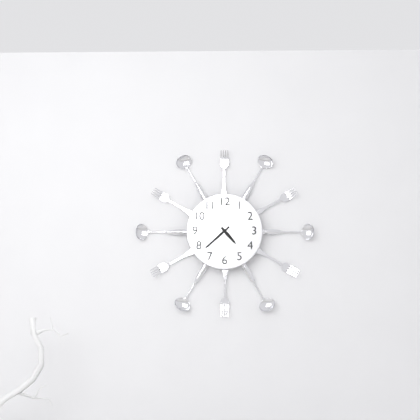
4:38
